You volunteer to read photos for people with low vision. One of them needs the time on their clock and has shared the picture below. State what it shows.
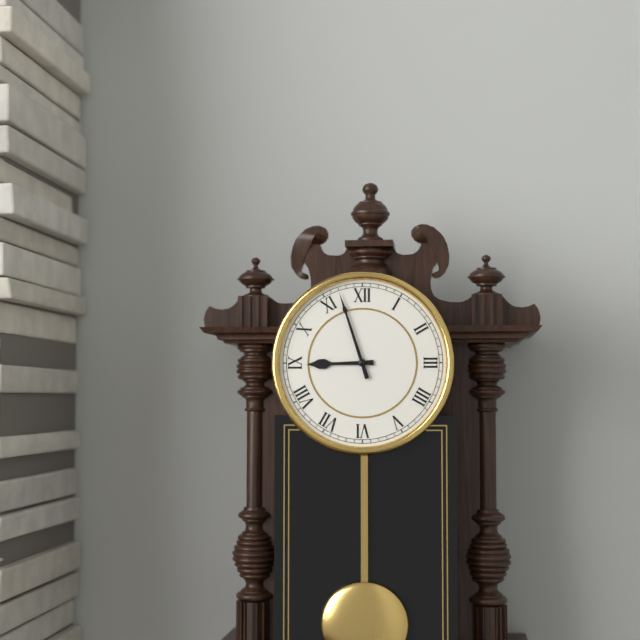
8:57
